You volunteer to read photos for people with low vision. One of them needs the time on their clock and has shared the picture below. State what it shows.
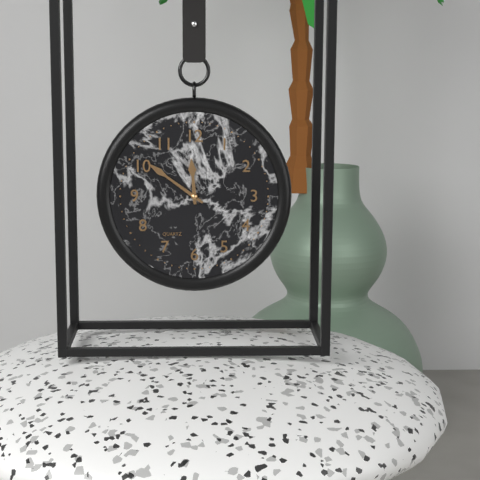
11:51
